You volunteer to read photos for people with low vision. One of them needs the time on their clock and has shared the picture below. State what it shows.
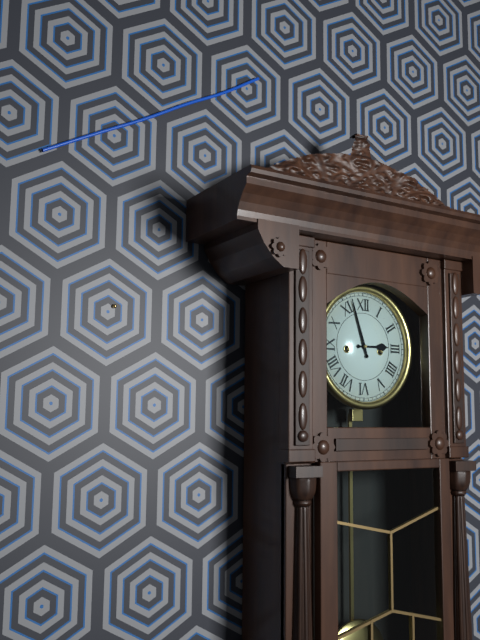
2:57
